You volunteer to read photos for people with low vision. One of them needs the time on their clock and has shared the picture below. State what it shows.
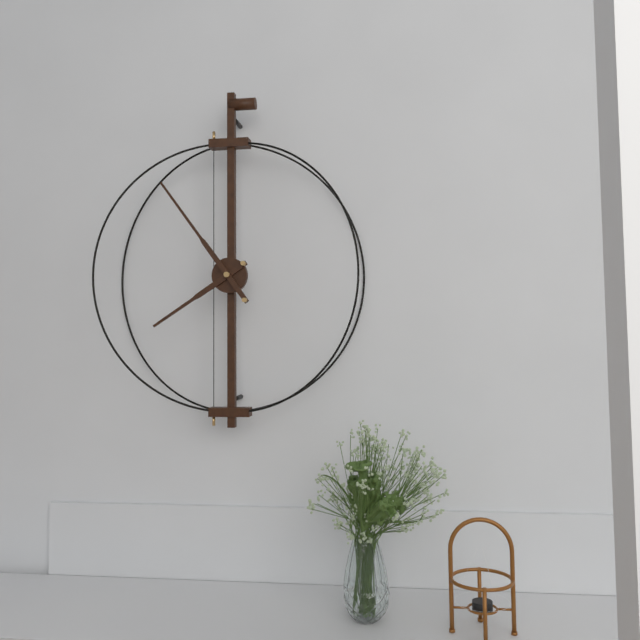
7:54
